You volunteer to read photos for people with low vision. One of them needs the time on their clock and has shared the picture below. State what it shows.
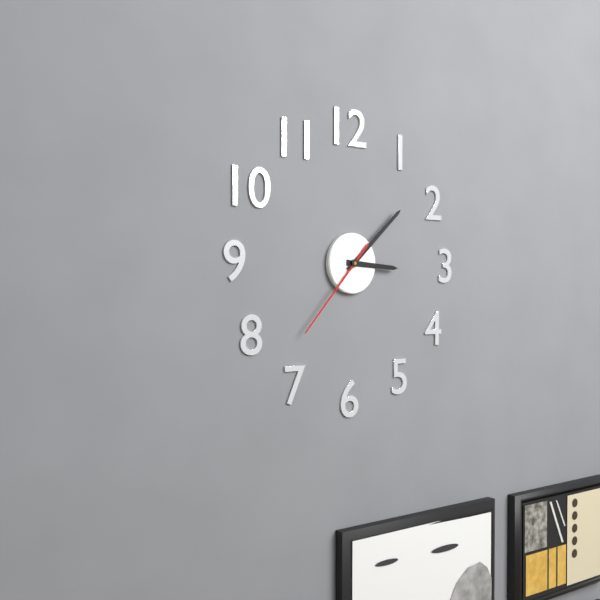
3:08:37
